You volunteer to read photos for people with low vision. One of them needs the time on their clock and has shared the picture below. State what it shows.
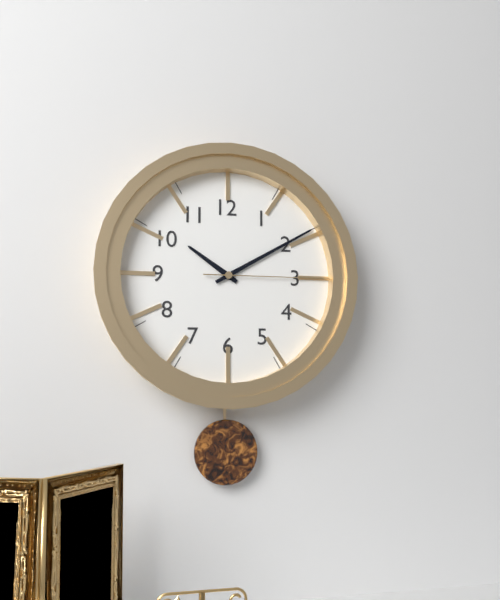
10:10:15
